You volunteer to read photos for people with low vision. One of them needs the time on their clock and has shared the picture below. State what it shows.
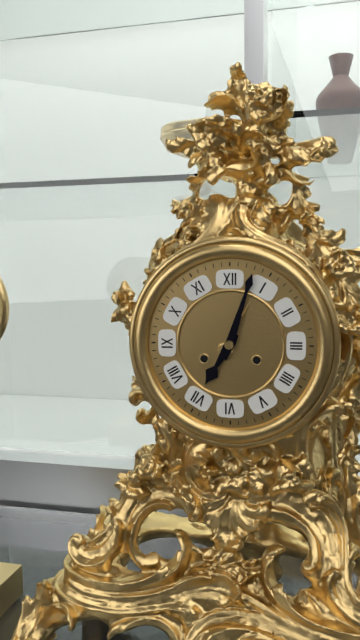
7:03
